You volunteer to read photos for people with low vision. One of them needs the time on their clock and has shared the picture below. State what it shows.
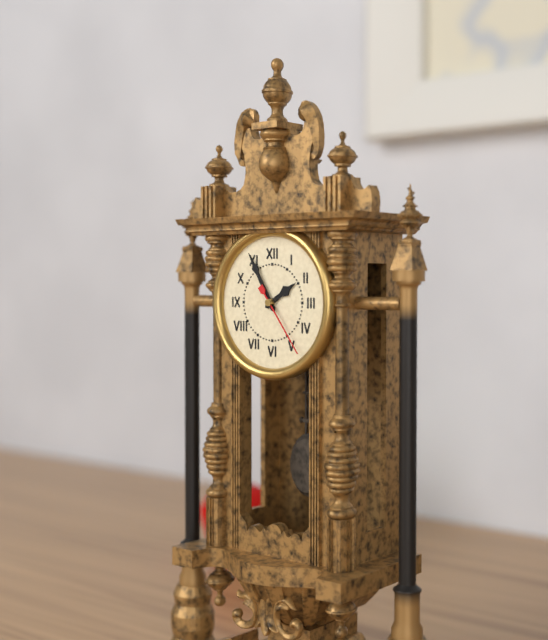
1:55:24
